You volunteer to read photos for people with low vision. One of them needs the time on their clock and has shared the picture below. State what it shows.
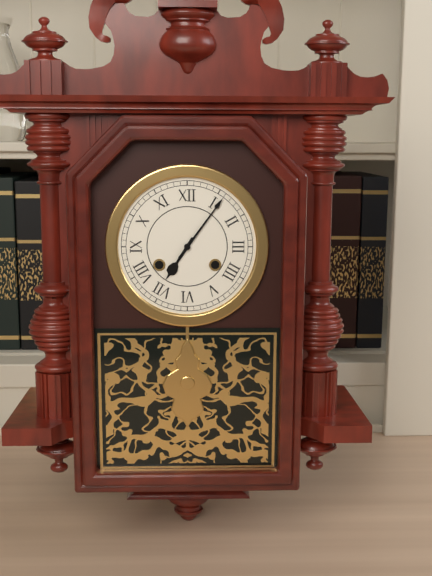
7:06
